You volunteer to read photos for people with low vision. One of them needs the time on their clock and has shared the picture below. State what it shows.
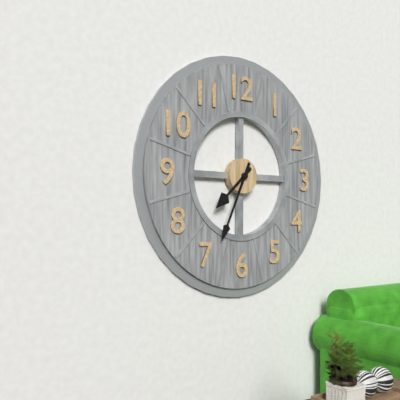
7:34
